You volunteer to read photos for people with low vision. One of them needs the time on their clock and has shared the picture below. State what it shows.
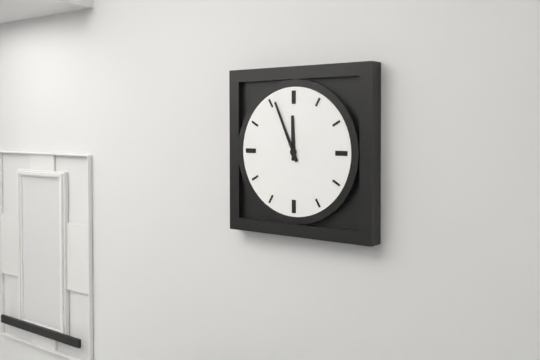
11:56
